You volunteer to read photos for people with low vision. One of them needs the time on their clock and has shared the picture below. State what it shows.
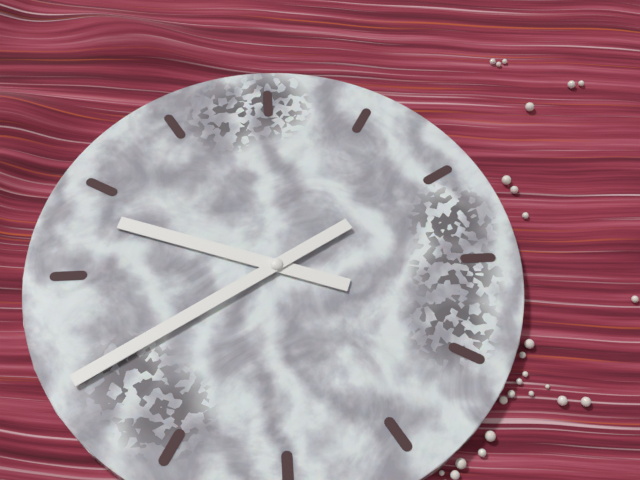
9:40
